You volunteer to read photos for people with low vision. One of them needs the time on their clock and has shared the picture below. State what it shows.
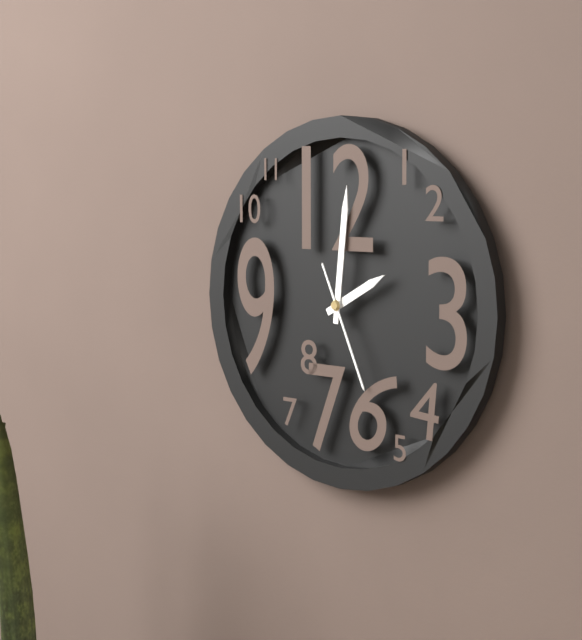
2:01:26
